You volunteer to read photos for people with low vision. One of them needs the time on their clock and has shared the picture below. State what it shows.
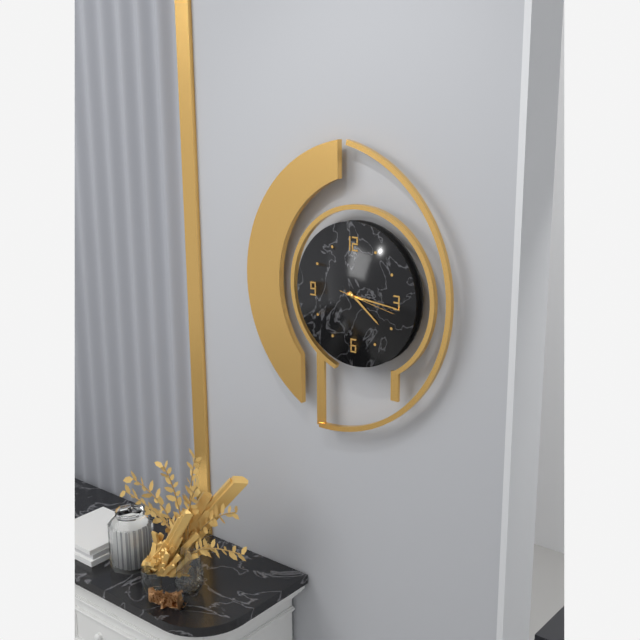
4:16:17
